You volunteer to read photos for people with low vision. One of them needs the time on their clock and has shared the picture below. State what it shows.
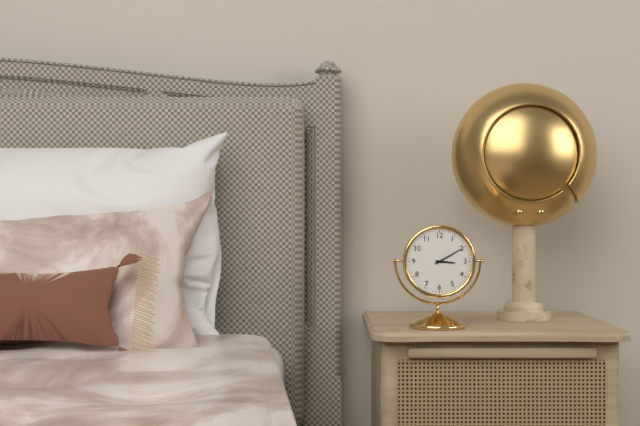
3:10
